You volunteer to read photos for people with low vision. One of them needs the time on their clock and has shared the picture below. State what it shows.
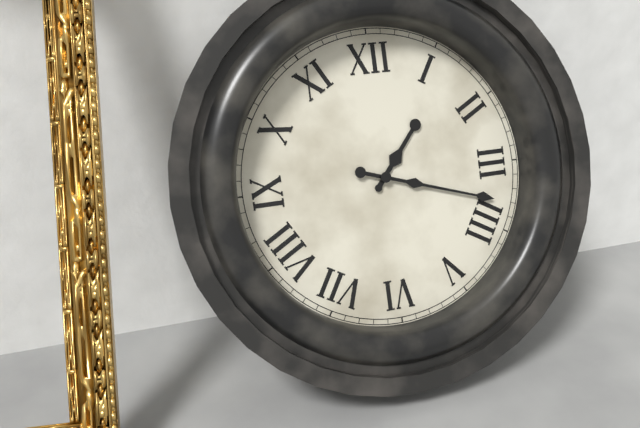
1:18
